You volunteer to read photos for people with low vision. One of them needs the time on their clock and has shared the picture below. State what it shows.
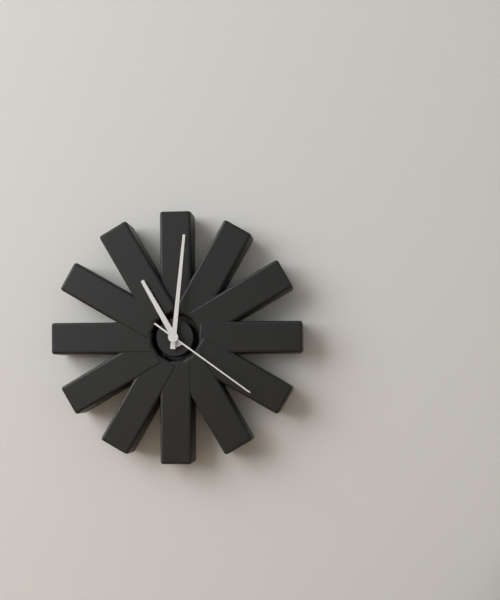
11:01:21
